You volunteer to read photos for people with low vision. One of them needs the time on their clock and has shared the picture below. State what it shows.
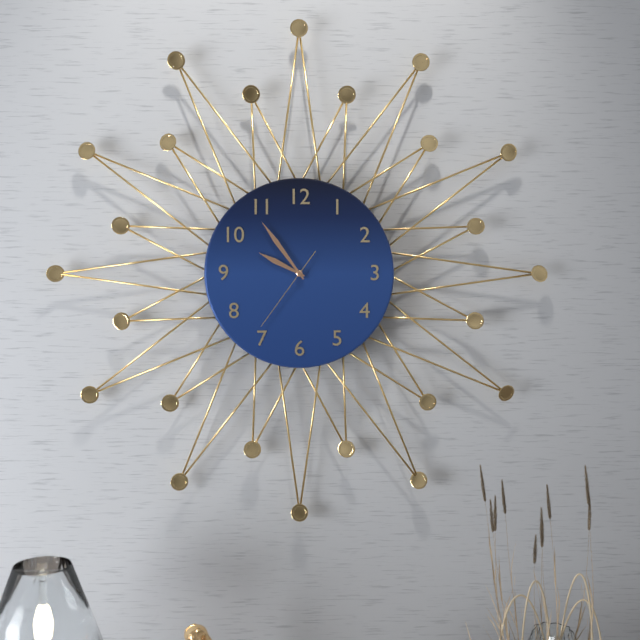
9:54:36
